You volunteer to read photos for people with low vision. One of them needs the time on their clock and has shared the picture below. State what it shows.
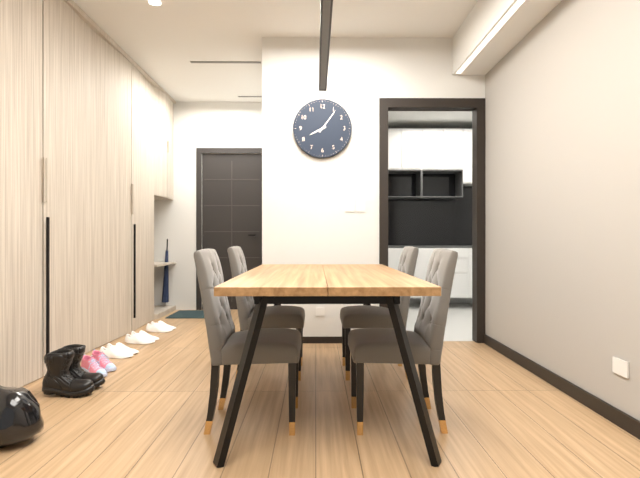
8:06
